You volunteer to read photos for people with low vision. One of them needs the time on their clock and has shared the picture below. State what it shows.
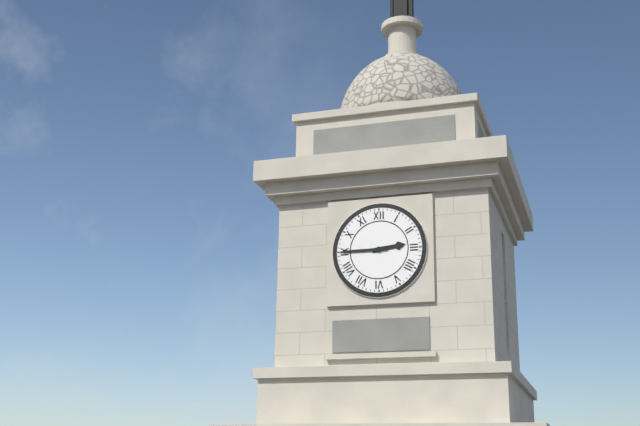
2:45
